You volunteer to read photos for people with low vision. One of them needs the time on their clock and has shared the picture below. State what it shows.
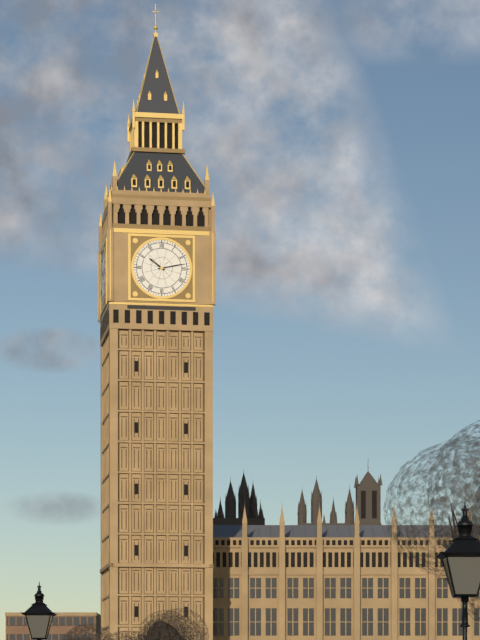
10:13
